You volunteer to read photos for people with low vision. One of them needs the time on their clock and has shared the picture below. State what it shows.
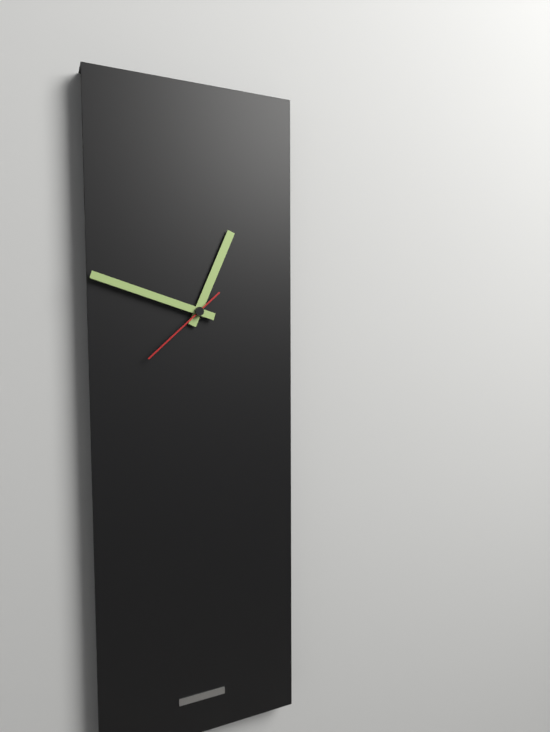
12:48:38
